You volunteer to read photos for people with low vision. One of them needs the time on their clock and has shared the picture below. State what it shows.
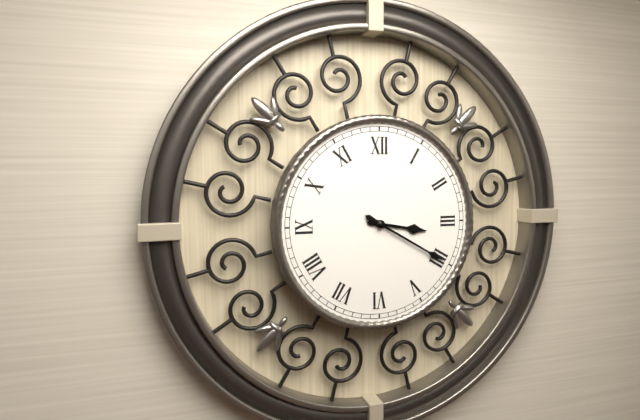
3:20
